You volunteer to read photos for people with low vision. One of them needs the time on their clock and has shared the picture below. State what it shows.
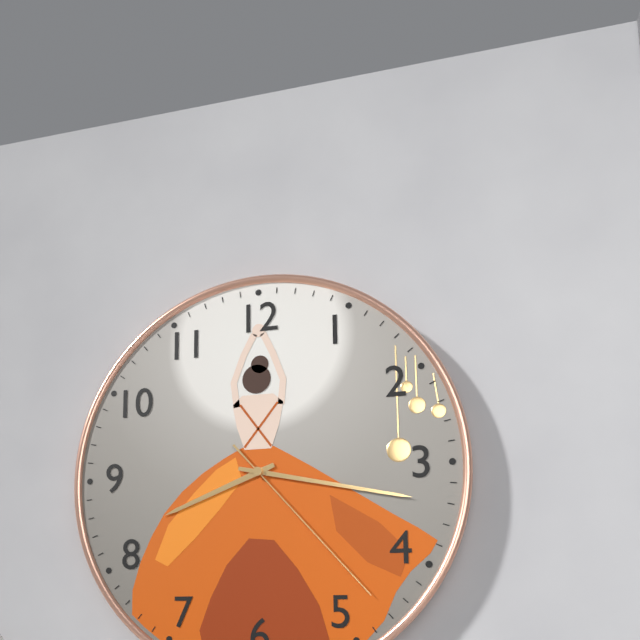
8:17:23
